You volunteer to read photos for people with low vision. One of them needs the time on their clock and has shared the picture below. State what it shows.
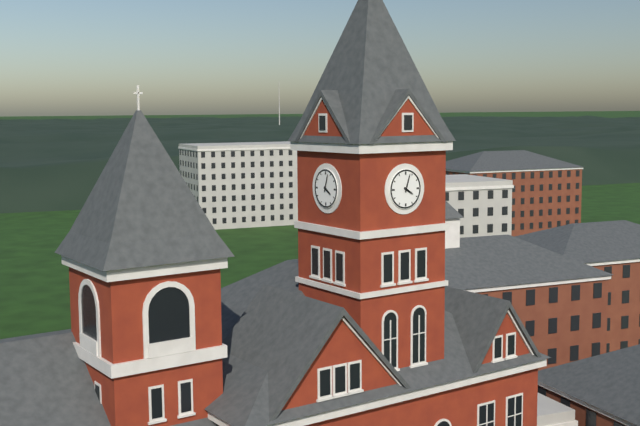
4:03
